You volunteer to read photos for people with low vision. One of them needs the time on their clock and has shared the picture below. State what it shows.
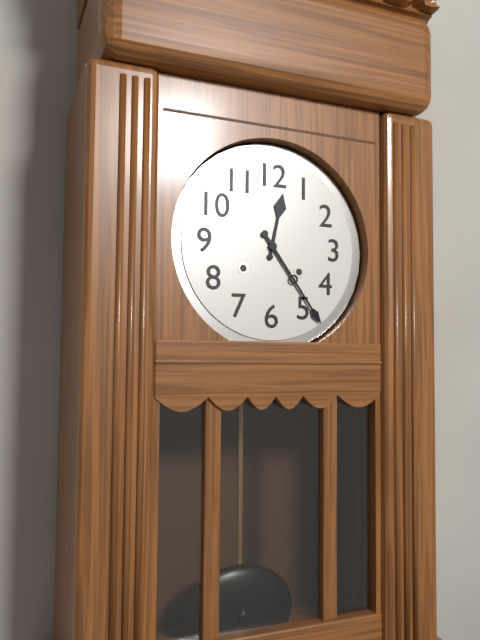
12:24
